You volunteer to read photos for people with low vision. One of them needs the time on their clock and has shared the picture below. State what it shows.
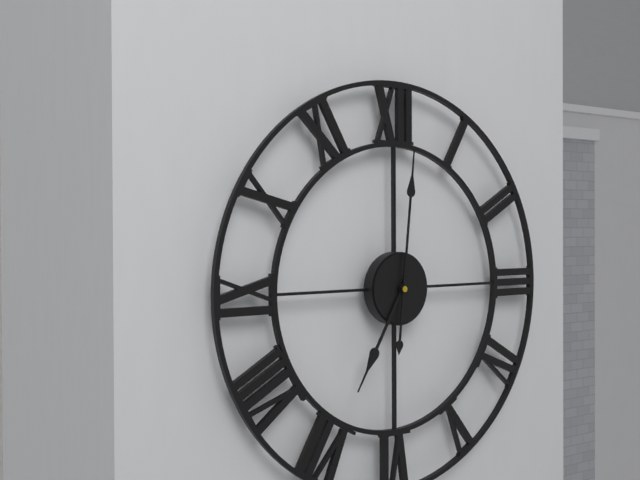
7:01
